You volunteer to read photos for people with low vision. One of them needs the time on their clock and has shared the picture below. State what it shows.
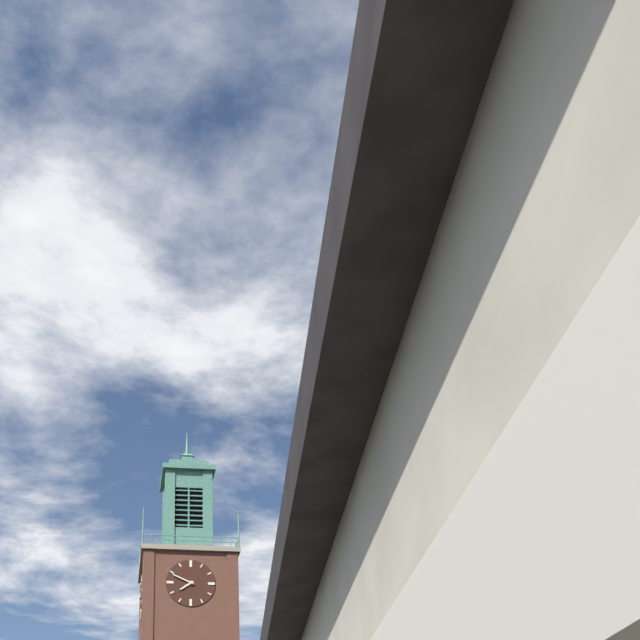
7:49
